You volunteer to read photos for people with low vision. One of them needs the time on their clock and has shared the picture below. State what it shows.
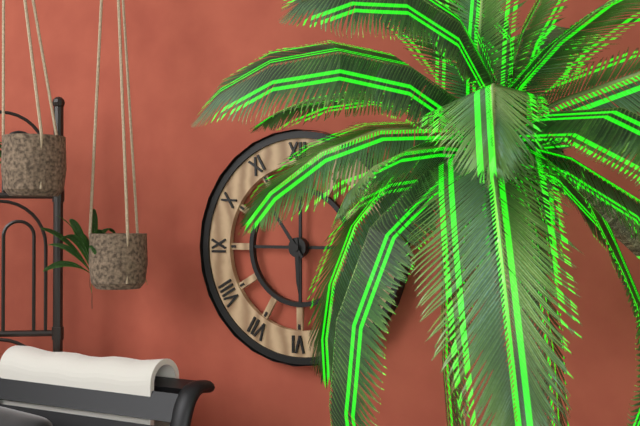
5:54
